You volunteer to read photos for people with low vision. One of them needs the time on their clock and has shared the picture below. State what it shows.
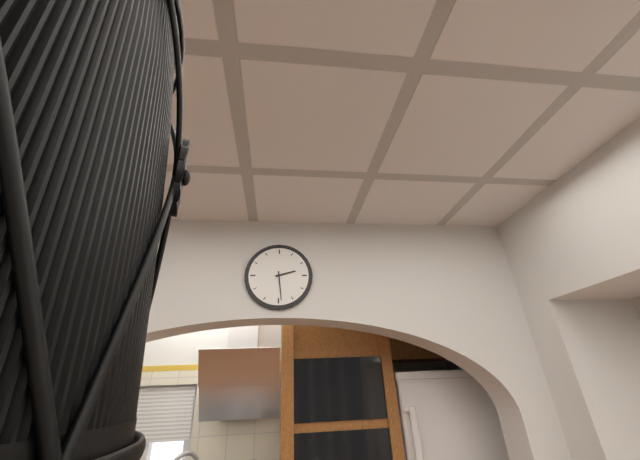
2:29
